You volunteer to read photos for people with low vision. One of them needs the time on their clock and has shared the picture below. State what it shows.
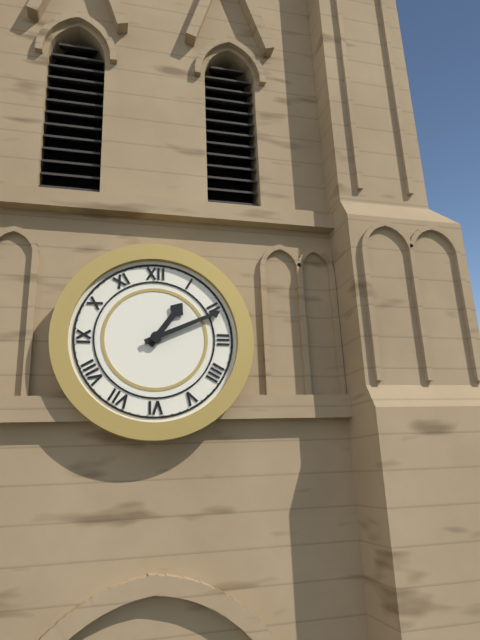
1:11
